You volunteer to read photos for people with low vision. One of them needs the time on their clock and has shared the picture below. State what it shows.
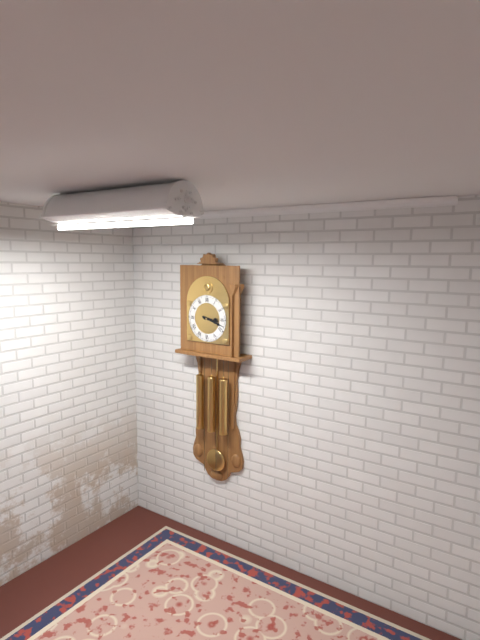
3:18
